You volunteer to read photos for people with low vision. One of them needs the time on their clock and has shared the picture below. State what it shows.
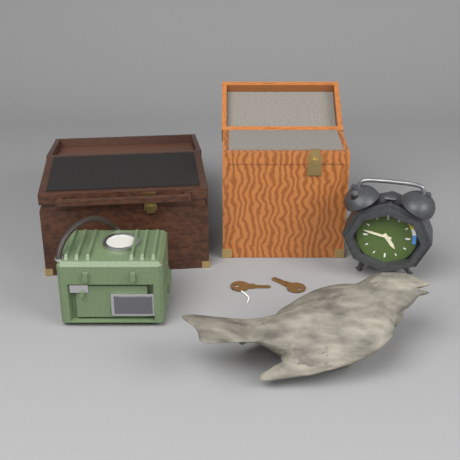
4:47
